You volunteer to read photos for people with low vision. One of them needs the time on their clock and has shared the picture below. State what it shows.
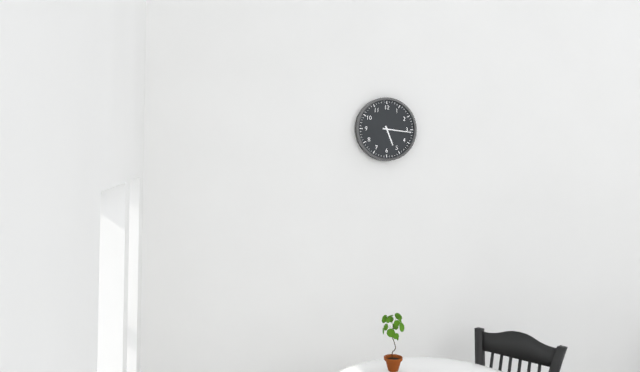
5:16
